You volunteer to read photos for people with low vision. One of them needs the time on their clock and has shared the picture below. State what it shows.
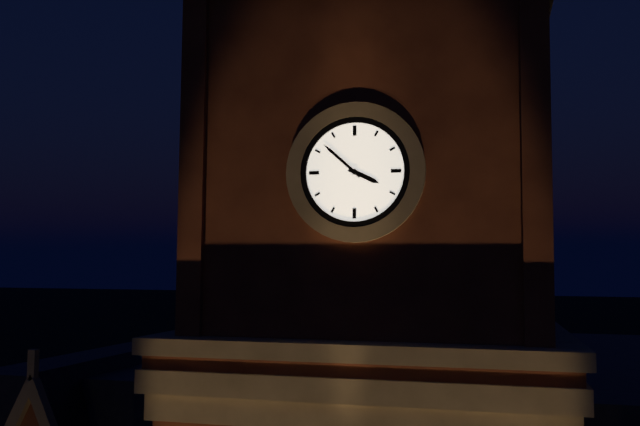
3:52
